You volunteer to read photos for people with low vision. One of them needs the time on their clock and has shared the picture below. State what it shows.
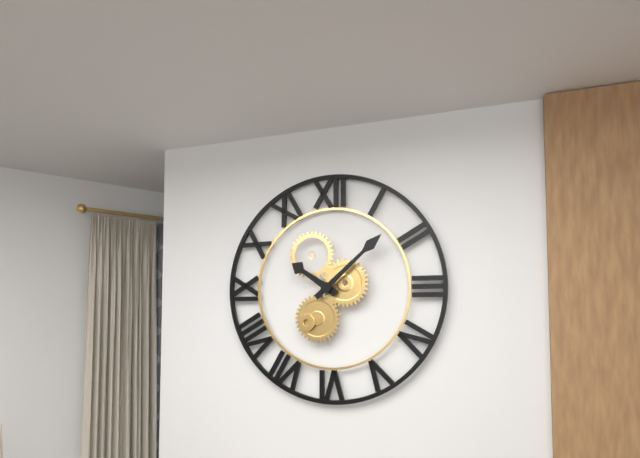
10:08
